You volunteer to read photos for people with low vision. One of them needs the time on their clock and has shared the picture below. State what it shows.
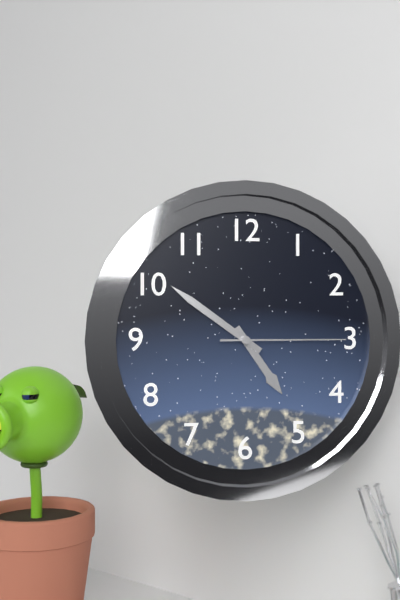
4:51:15
